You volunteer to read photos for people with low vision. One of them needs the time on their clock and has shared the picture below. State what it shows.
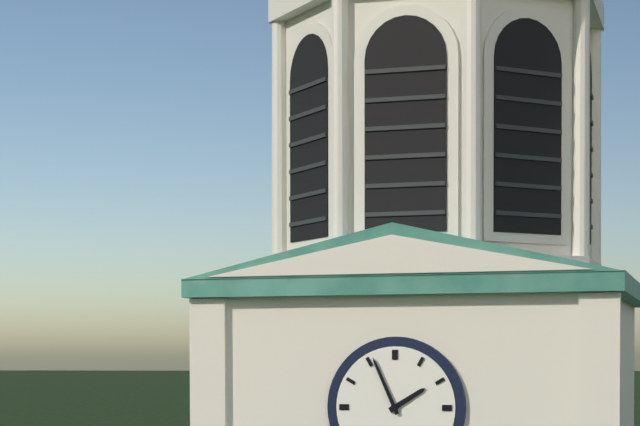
1:56
